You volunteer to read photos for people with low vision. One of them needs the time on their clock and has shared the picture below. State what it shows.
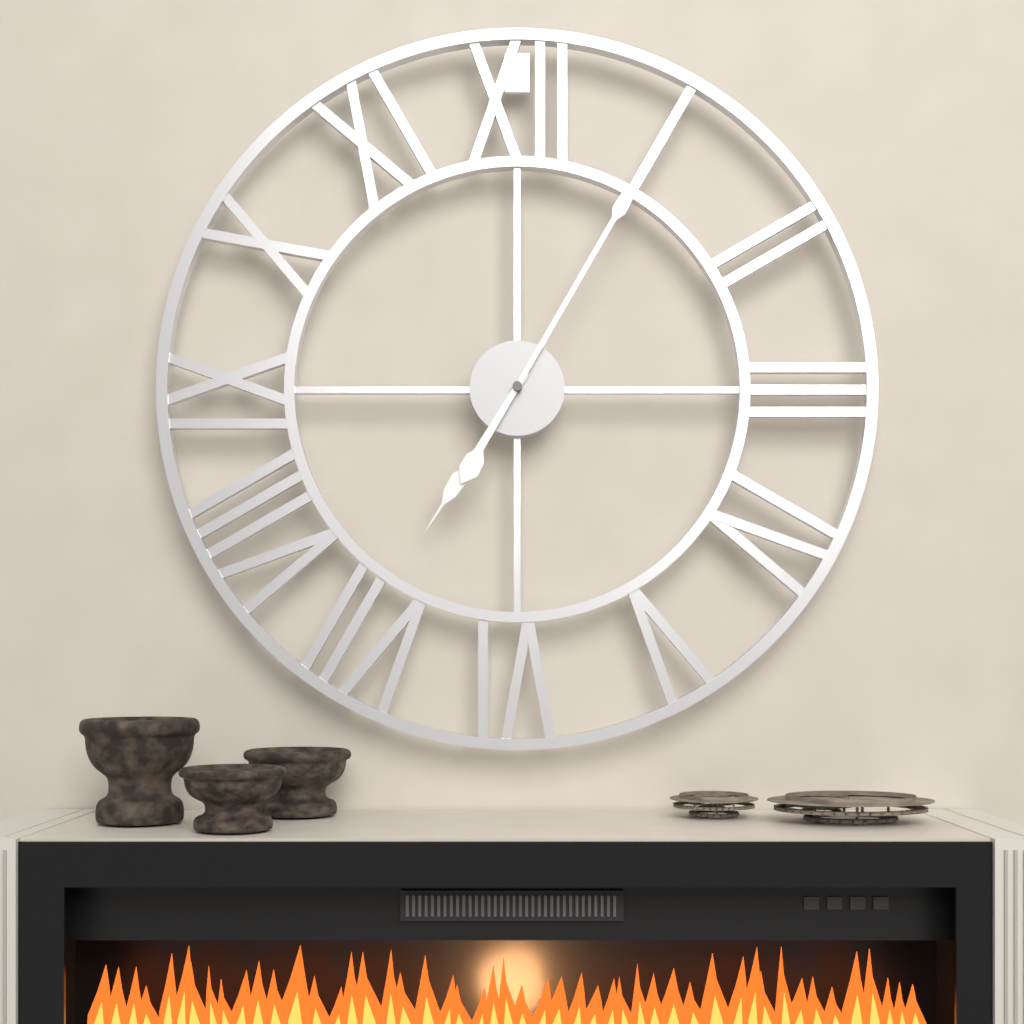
7:05
